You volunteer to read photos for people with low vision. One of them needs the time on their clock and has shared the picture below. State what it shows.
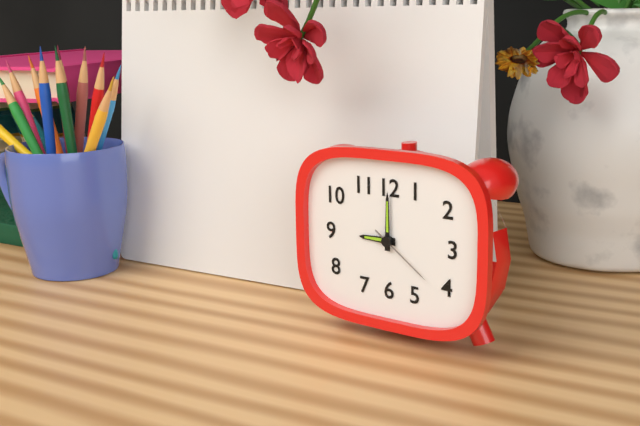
9:00:21
